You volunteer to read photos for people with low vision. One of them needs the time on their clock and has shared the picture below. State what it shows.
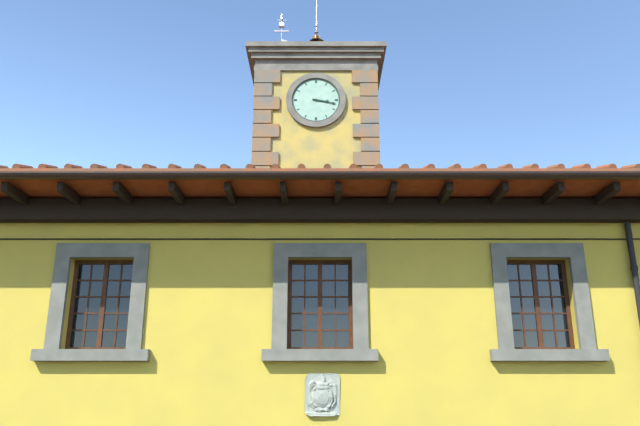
3:17
